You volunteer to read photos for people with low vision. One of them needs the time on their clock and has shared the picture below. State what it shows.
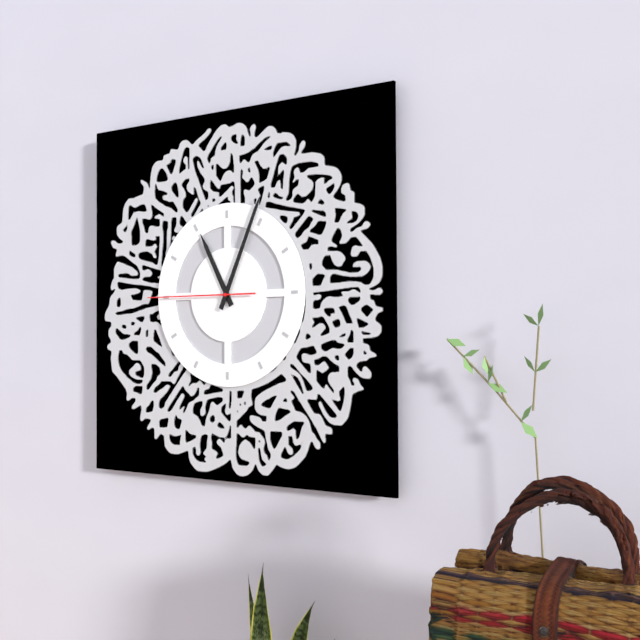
11:04:45
